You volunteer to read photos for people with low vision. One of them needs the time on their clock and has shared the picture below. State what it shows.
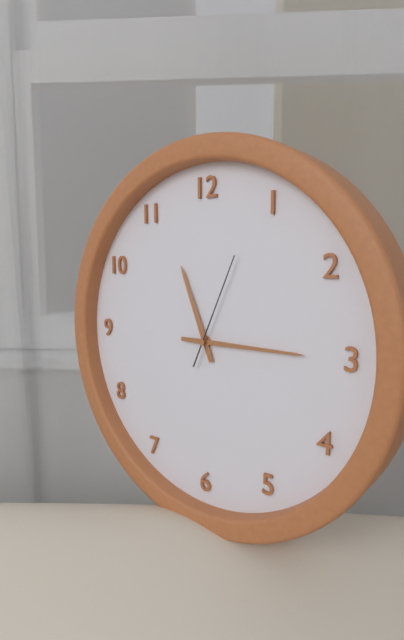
11:15:04
